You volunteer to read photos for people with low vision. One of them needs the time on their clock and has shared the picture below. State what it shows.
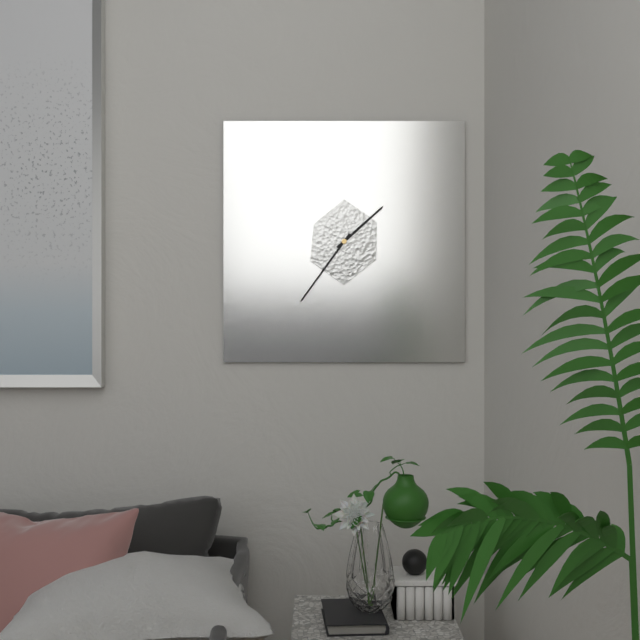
1:36
